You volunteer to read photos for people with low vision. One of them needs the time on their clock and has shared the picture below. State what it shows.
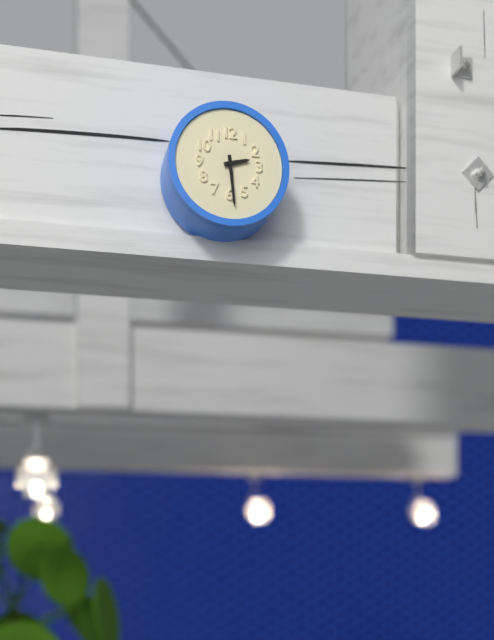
2:29
